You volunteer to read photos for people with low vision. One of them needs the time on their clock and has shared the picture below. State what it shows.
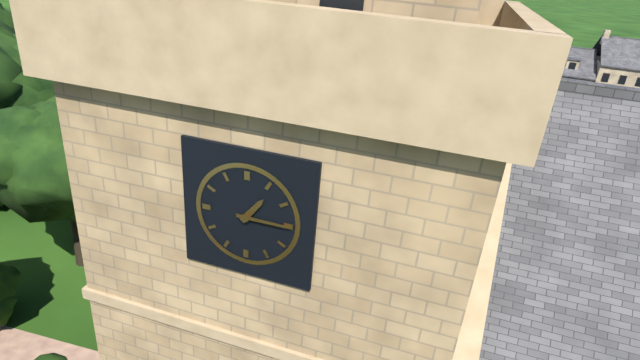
1:15
